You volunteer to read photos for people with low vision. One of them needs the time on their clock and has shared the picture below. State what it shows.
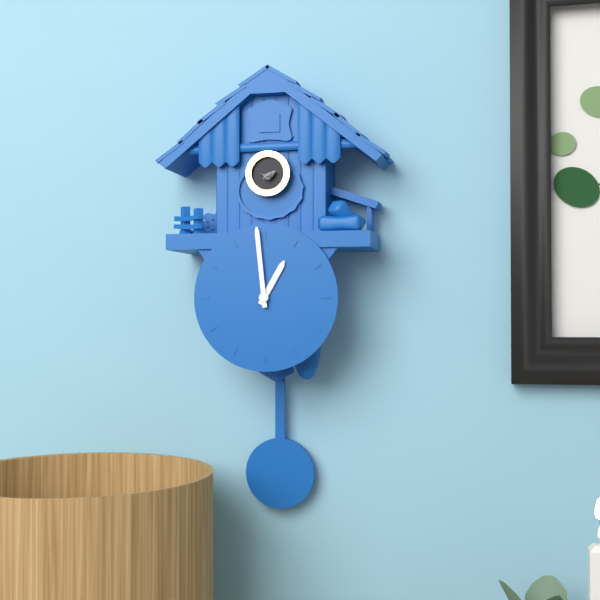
12:59
